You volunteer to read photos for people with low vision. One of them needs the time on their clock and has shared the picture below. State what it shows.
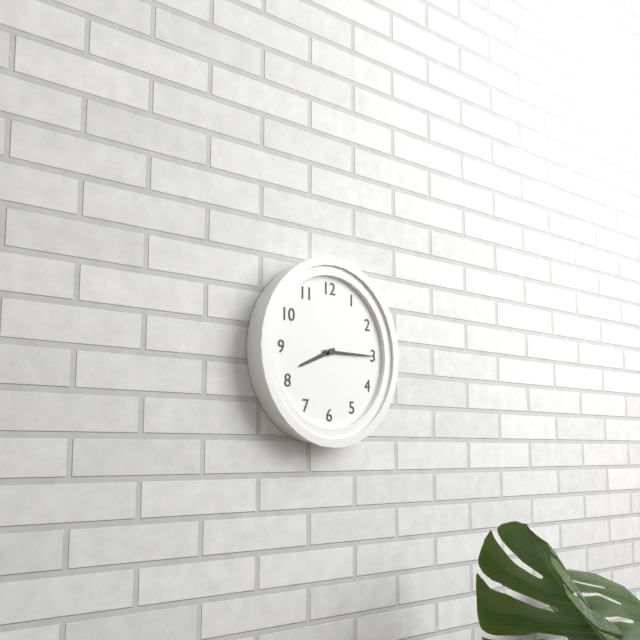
8:15
